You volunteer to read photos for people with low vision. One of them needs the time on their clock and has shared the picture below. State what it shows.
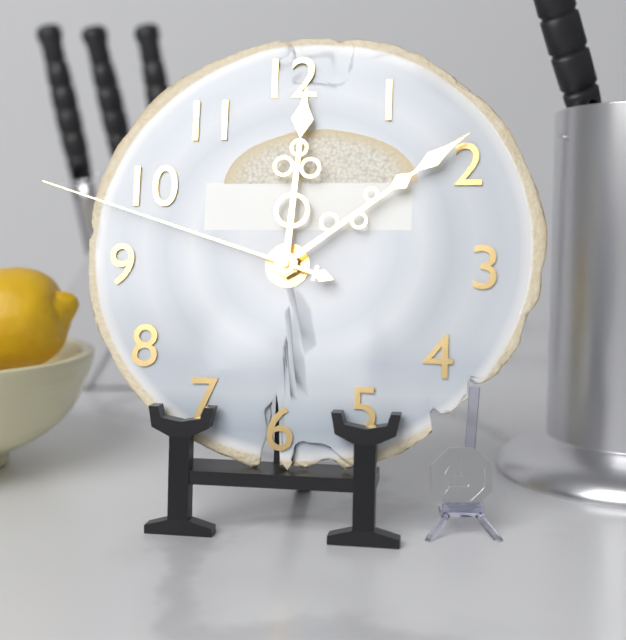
12:09:48
